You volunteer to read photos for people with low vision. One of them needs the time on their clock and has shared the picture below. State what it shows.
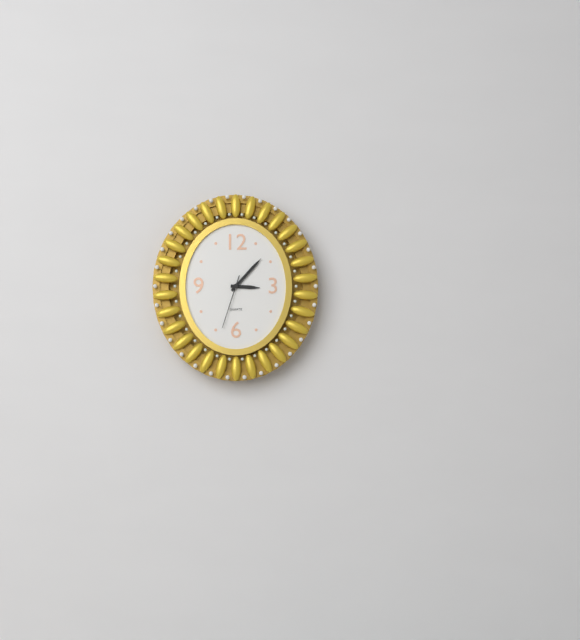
3:07:33
